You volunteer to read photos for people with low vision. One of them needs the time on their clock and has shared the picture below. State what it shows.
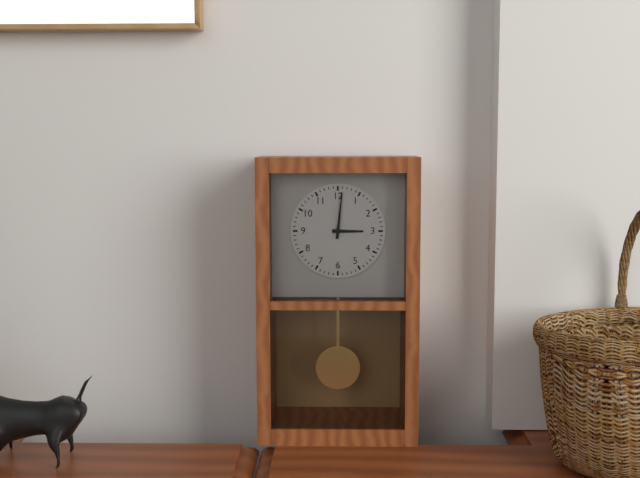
3:01
